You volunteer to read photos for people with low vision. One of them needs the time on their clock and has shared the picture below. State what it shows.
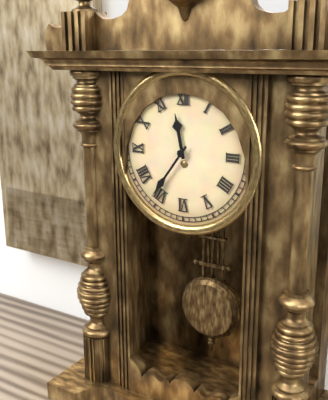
11:36
